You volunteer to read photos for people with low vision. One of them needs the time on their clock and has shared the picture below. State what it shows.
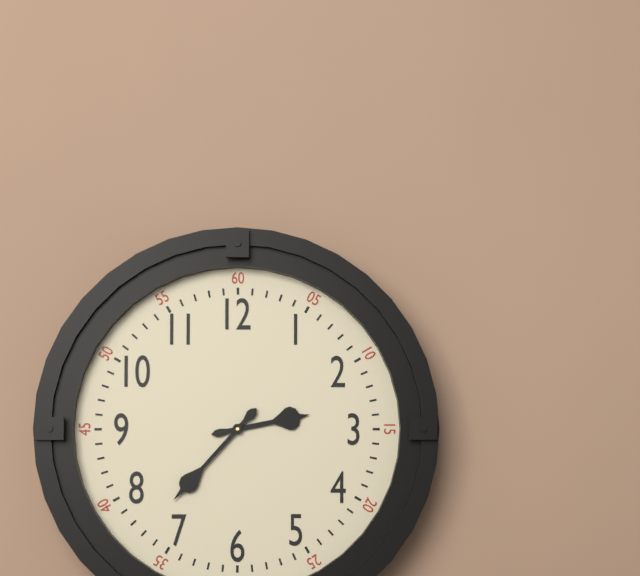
2:37
